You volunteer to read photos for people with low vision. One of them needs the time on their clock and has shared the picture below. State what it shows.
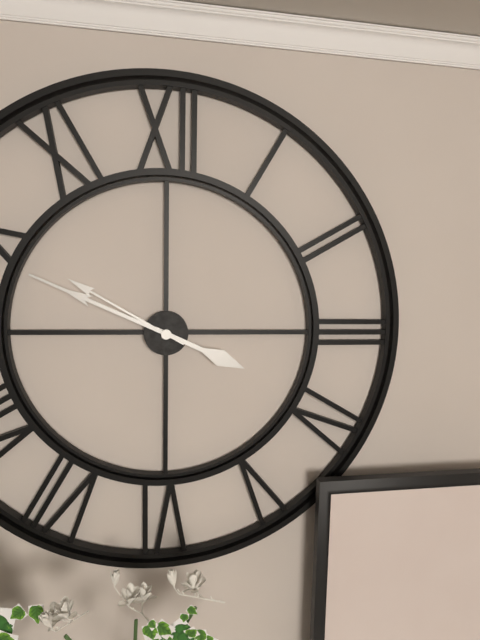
3:49:50
